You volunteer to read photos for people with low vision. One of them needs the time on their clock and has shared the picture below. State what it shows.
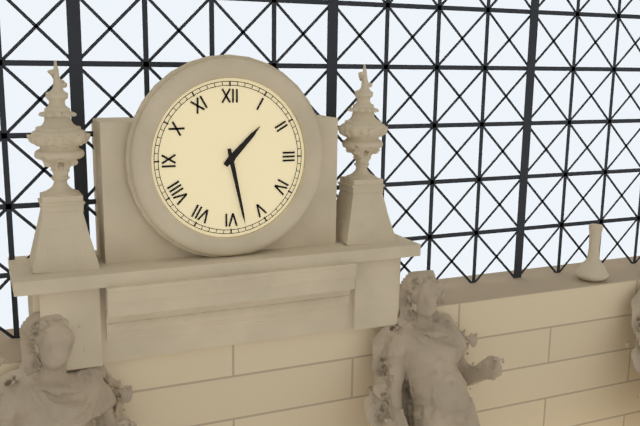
1:28
